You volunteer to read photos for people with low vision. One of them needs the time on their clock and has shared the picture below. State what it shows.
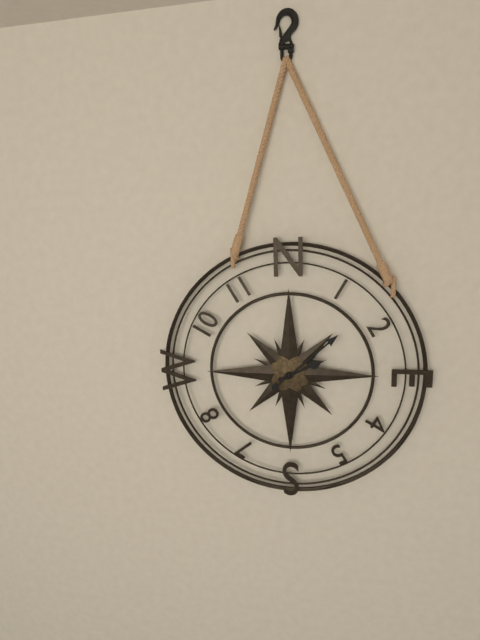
2:08
